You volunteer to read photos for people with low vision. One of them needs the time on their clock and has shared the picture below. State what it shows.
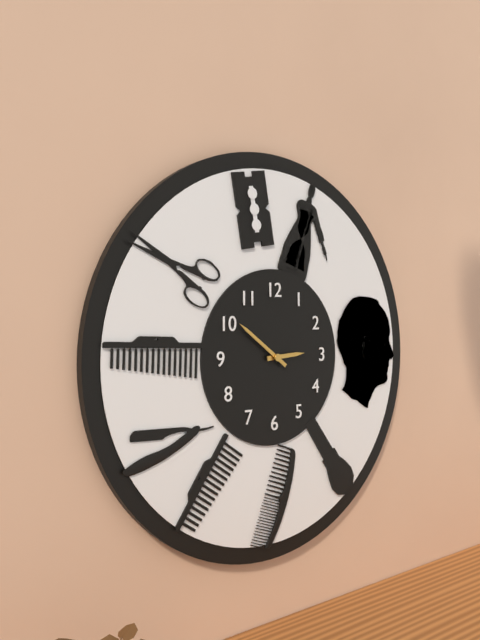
2:51
